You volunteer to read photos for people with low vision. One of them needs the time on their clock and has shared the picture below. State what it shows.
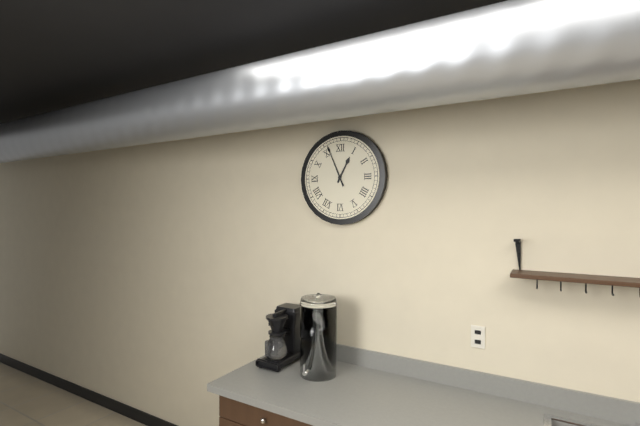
12:56
